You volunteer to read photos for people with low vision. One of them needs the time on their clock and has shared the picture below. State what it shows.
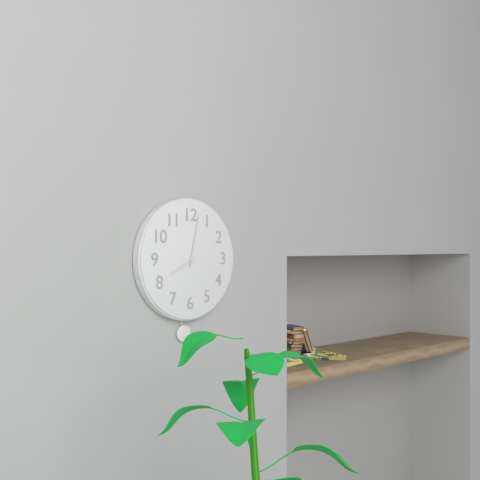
8:02
